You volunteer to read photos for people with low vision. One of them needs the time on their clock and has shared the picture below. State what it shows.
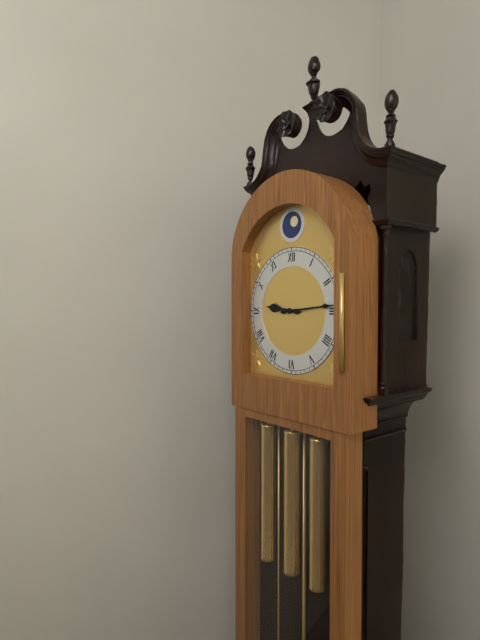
9:14
